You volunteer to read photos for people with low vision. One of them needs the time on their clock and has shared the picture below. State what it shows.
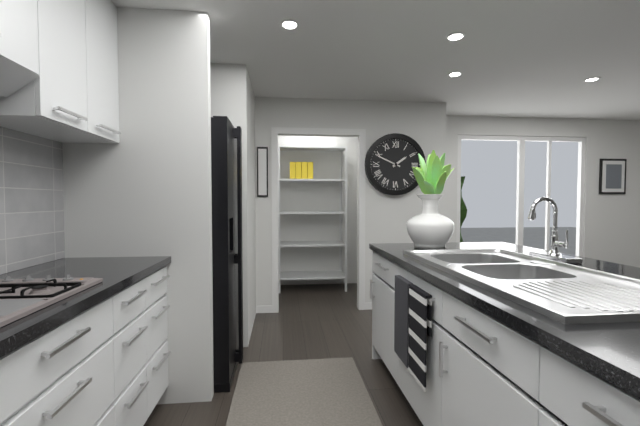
1:49
